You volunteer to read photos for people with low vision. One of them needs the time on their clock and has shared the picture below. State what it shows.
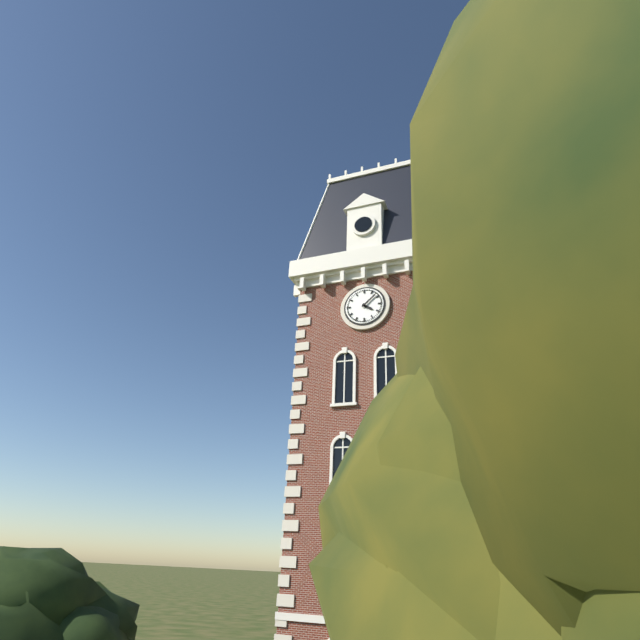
4:08
